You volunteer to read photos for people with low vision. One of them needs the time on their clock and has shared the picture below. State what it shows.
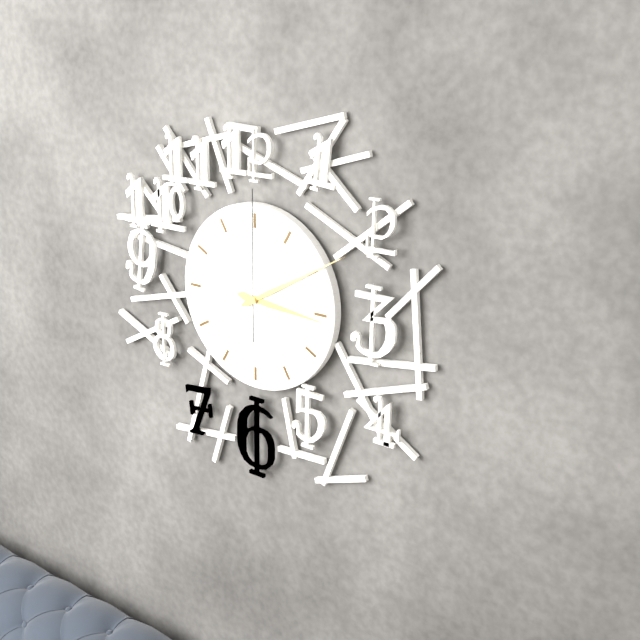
3:10:00
